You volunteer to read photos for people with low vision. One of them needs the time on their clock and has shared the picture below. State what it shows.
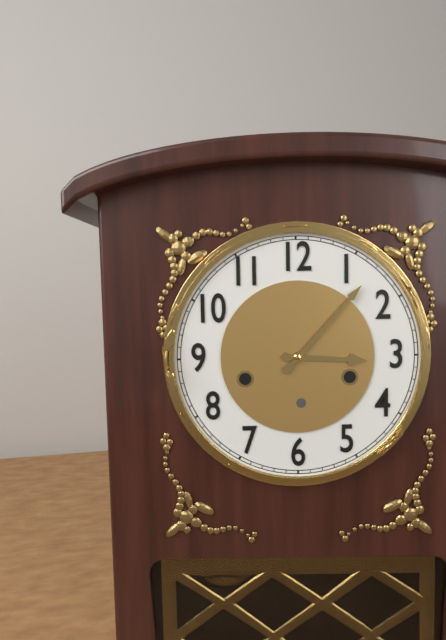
3:07
